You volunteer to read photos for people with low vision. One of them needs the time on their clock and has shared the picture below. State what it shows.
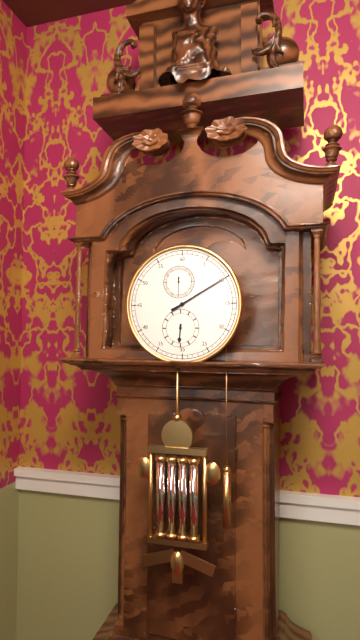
6:10
